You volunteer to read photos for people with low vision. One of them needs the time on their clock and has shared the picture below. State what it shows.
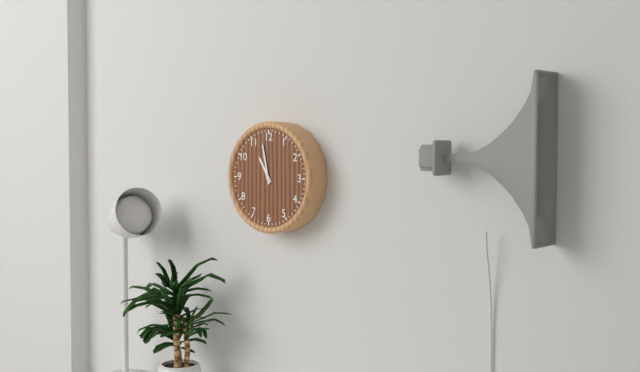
10:58
